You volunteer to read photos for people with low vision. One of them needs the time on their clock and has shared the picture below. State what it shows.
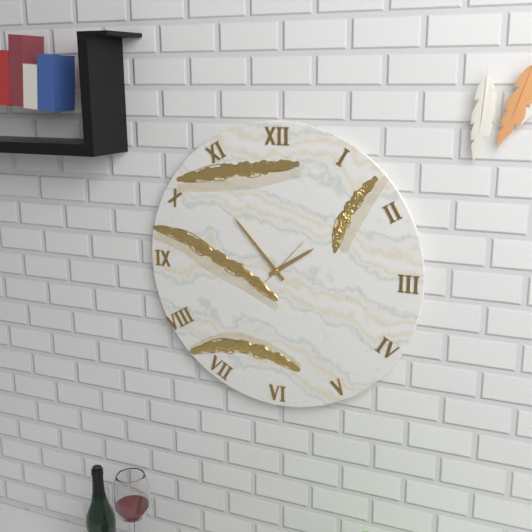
1:53
